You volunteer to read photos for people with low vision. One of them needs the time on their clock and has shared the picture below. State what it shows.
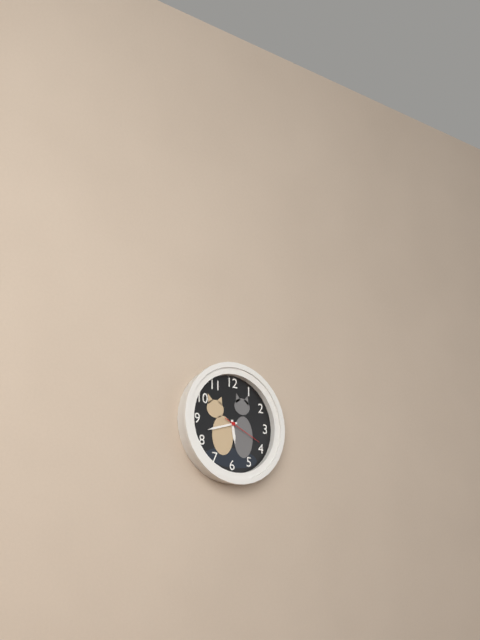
5:42
